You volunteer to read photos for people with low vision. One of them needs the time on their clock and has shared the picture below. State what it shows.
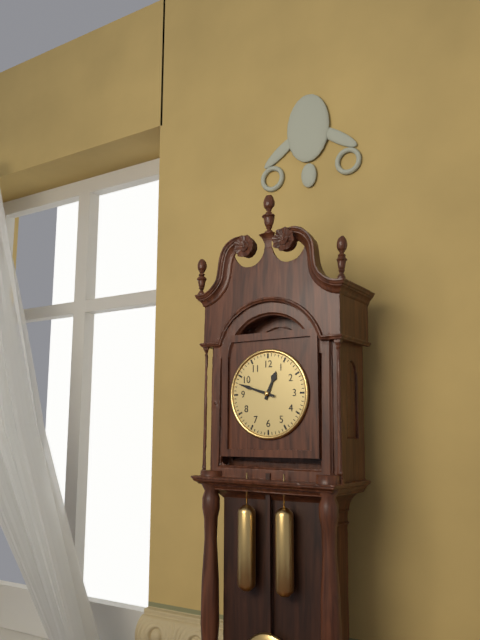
12:48
